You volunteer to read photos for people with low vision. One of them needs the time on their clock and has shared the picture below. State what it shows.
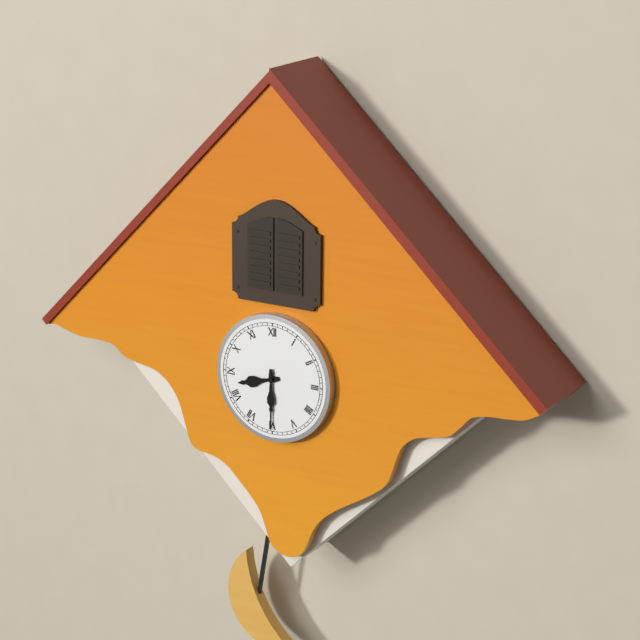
8:30
